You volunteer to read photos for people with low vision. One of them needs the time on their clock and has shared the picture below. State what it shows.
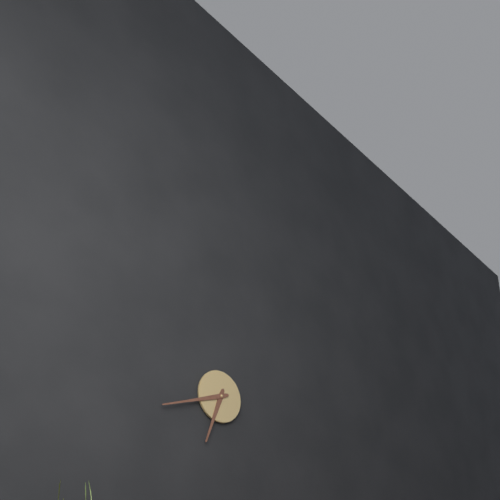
6:42
